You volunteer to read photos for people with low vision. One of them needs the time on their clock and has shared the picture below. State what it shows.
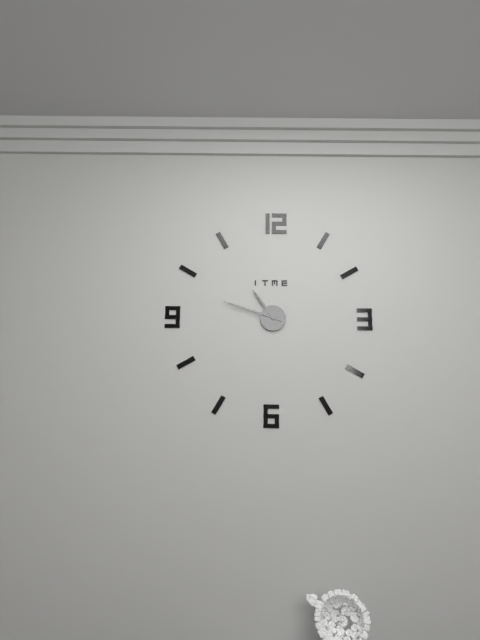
10:48
